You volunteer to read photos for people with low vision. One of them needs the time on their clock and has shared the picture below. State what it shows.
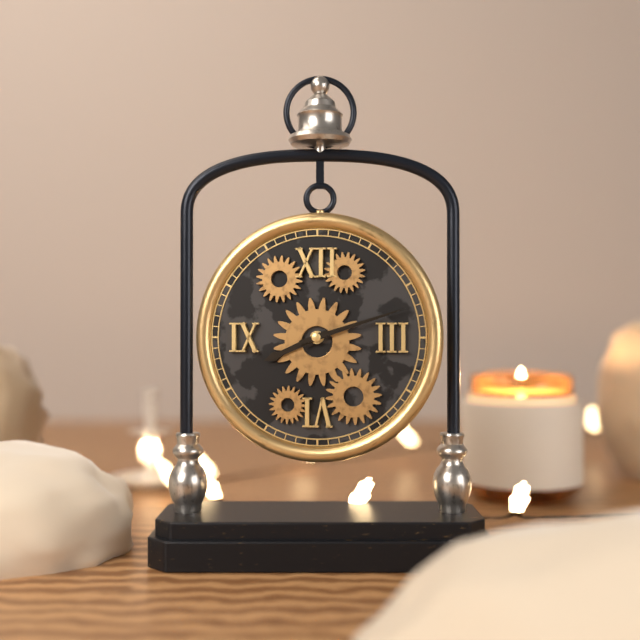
8:12
